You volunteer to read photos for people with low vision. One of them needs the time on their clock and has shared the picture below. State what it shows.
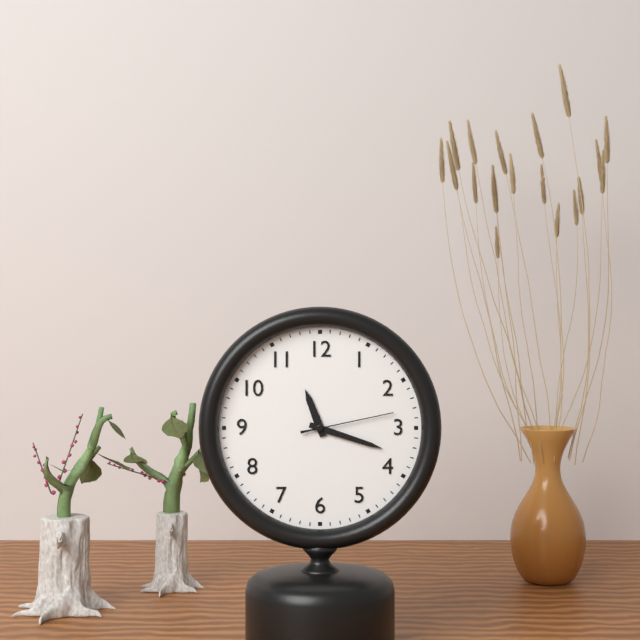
11:18:13
